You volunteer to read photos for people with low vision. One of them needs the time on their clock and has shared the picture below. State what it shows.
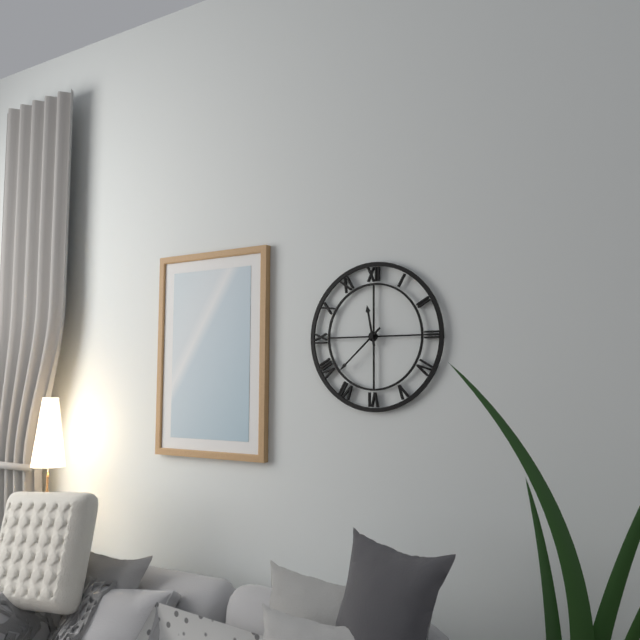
11:38
